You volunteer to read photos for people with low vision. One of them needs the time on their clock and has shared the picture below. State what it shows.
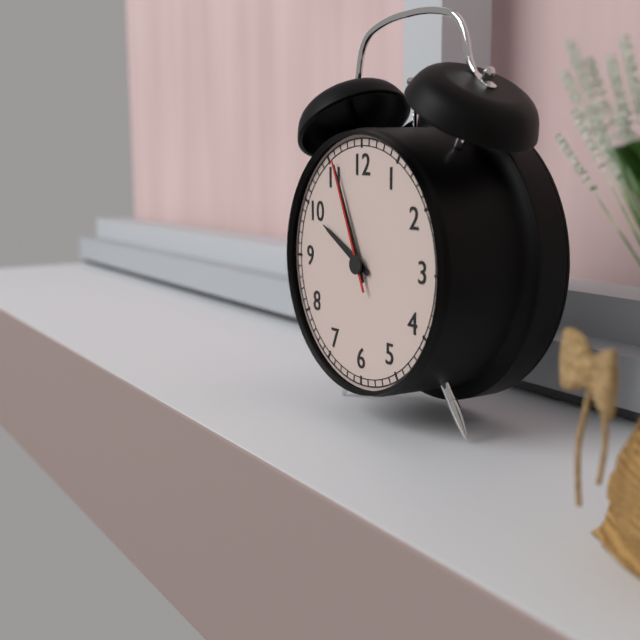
9:56:56
